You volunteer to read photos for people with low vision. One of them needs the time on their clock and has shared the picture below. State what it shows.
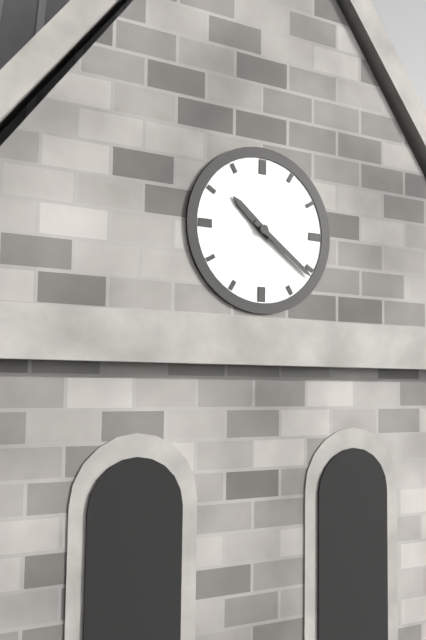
10:21
